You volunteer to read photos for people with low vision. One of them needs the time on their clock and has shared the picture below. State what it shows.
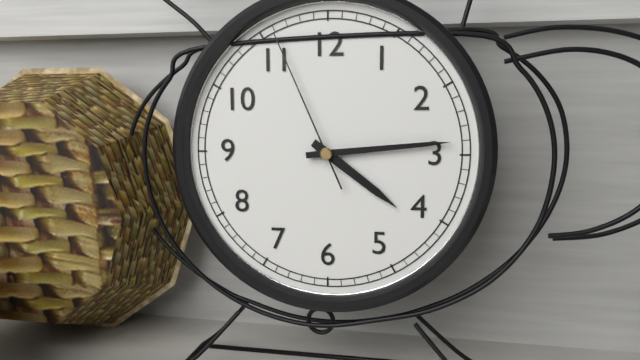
4:14:56
